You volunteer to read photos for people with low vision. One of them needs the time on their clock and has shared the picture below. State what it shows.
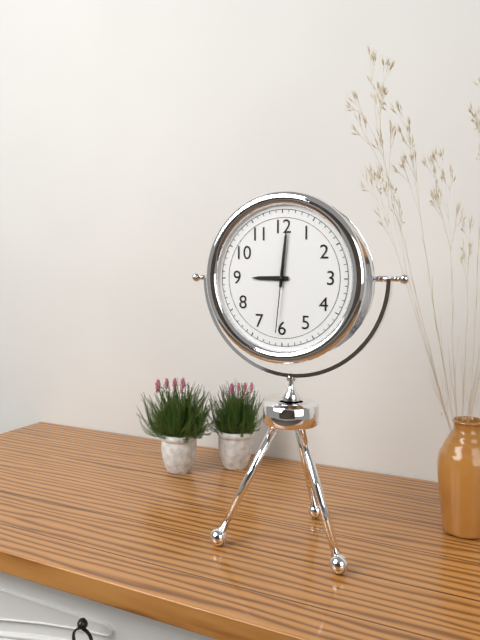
9:01:31
